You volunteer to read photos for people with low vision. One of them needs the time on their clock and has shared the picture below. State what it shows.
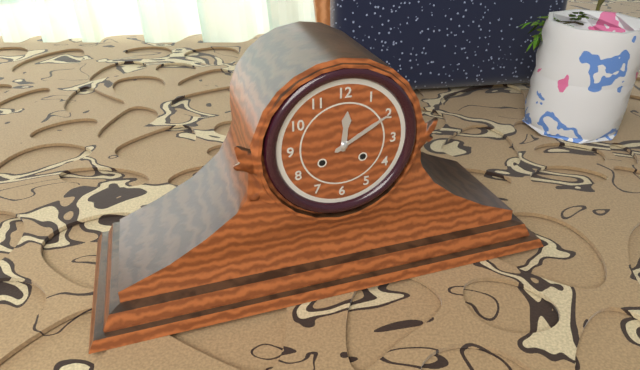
12:10
